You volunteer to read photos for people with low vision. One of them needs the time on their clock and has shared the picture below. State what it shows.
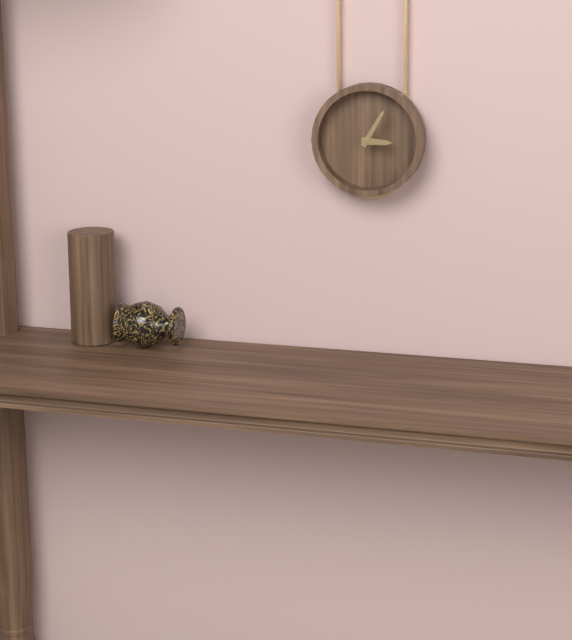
3:05
